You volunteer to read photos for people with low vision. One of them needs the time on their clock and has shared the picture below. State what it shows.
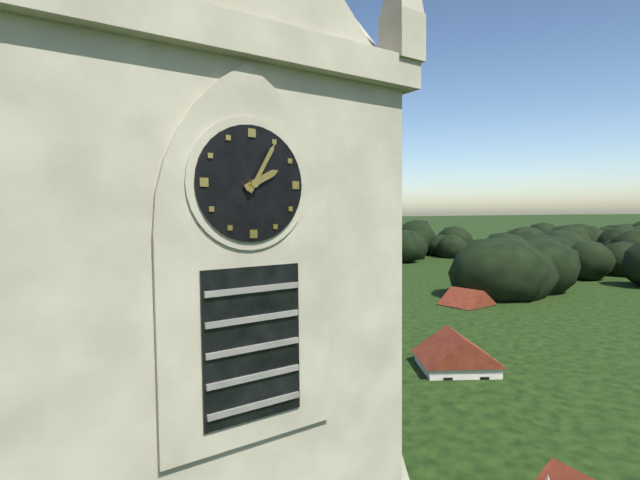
2:05
